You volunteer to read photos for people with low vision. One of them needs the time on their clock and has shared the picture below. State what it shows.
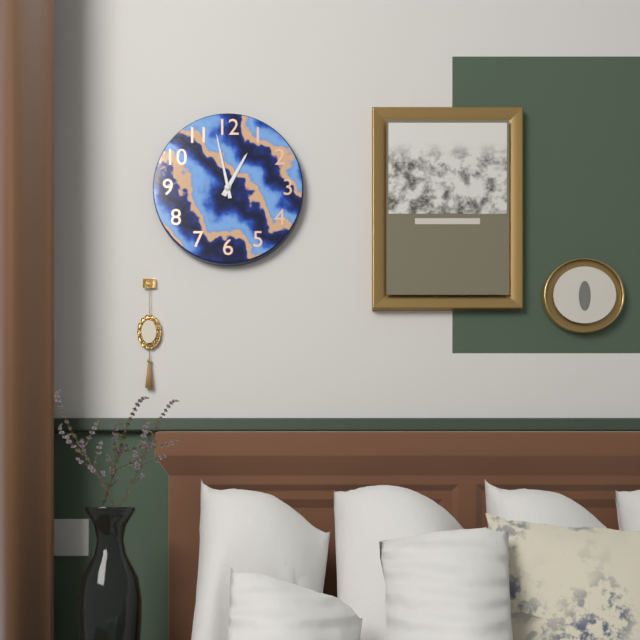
12:58
